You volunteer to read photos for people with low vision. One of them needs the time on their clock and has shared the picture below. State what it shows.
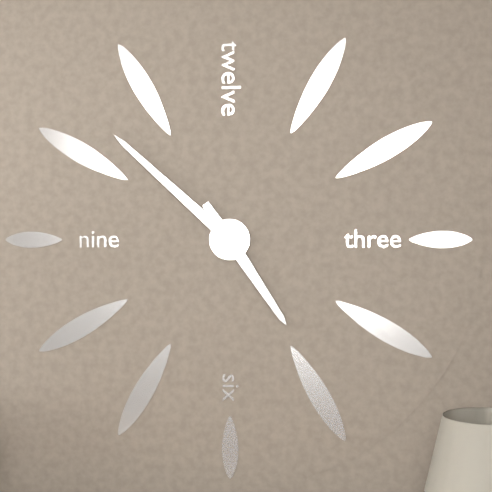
4:52
